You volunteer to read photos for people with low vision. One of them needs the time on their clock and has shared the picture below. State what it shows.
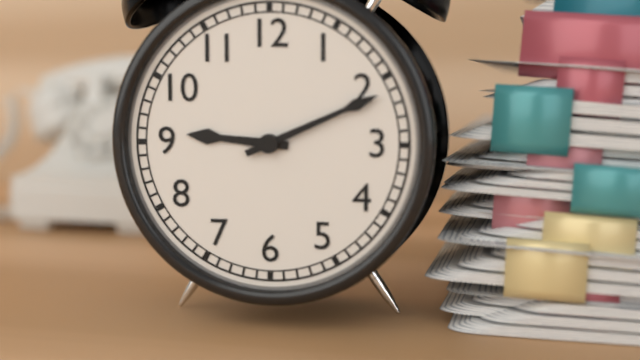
9:11
